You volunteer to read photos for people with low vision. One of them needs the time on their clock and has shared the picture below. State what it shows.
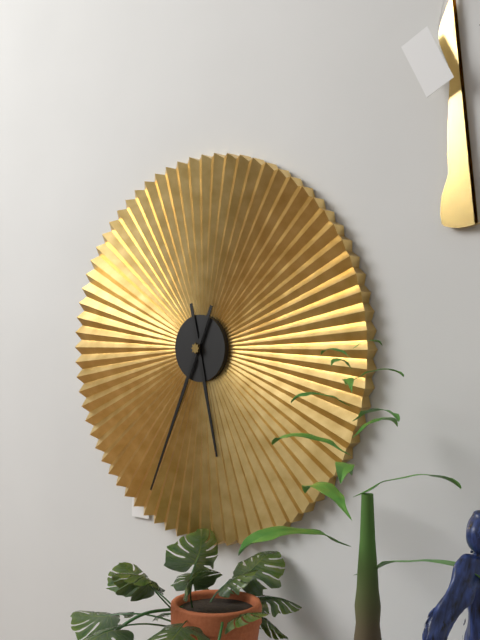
5:34
